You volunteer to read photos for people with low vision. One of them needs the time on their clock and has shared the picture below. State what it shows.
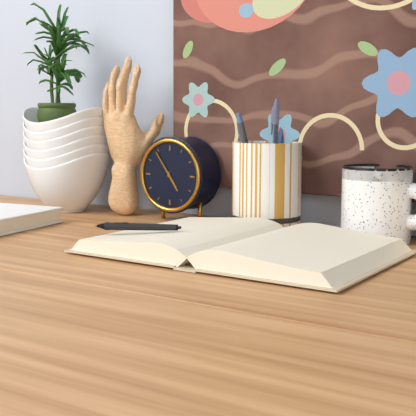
4:54
